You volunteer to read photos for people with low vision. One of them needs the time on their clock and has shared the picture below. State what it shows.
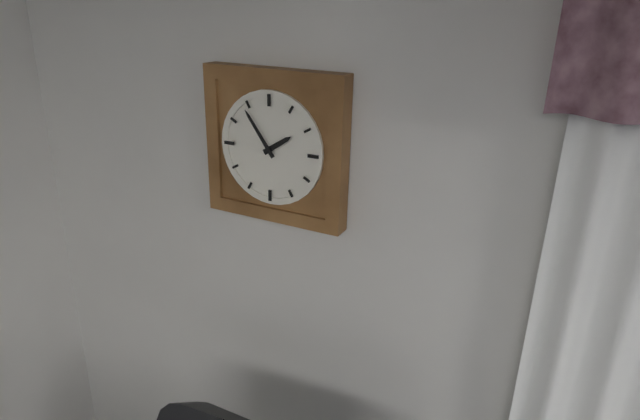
1:54
